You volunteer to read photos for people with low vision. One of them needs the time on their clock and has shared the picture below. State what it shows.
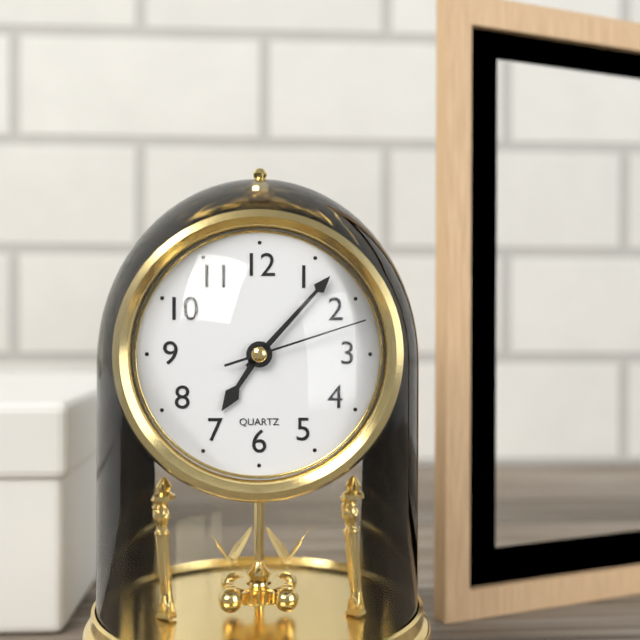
7:07:12
